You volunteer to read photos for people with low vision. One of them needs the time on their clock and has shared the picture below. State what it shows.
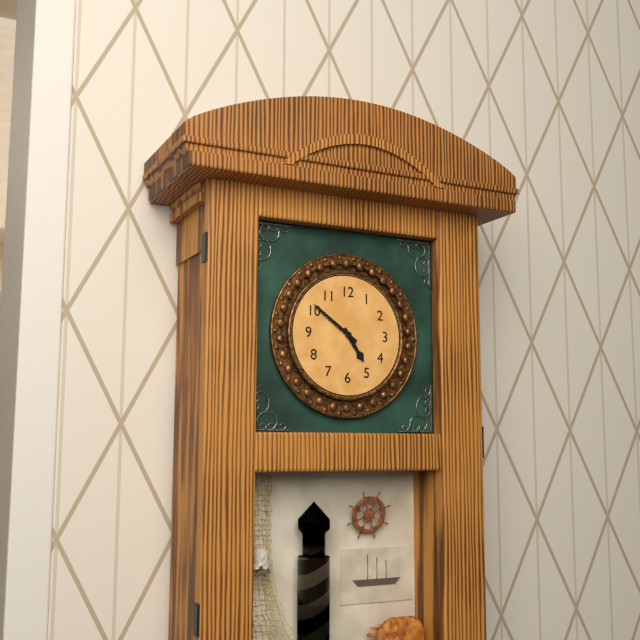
4:51
